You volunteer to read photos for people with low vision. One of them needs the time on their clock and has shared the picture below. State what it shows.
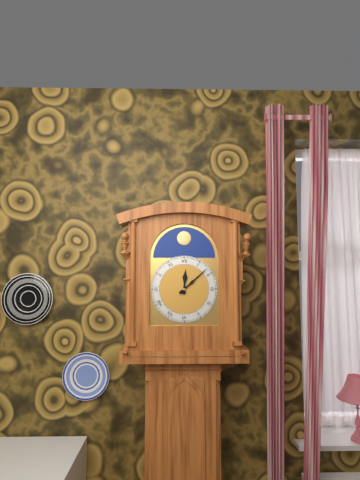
12:08
